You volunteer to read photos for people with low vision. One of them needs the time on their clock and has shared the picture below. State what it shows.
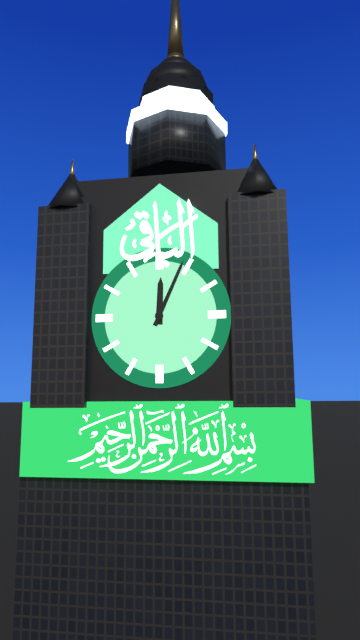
12:04
